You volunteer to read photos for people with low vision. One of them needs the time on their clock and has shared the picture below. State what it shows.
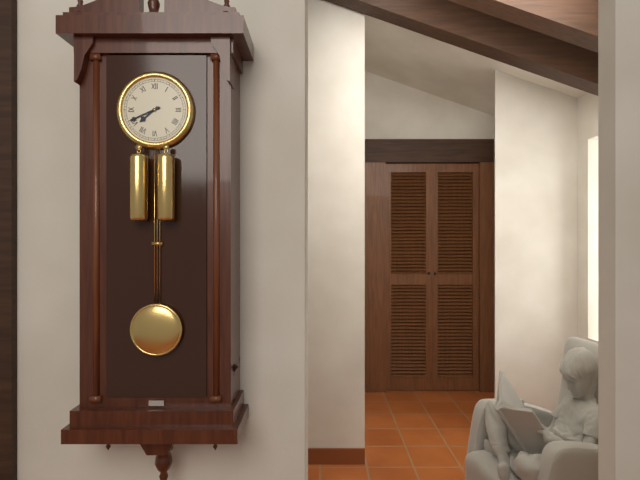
7:41
